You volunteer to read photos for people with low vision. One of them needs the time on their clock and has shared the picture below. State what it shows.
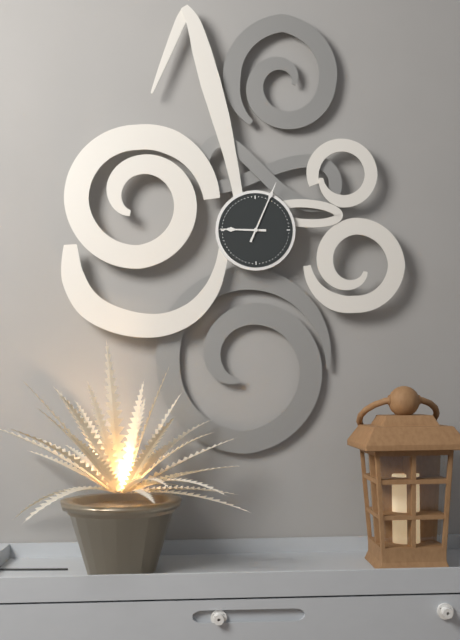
9:04
